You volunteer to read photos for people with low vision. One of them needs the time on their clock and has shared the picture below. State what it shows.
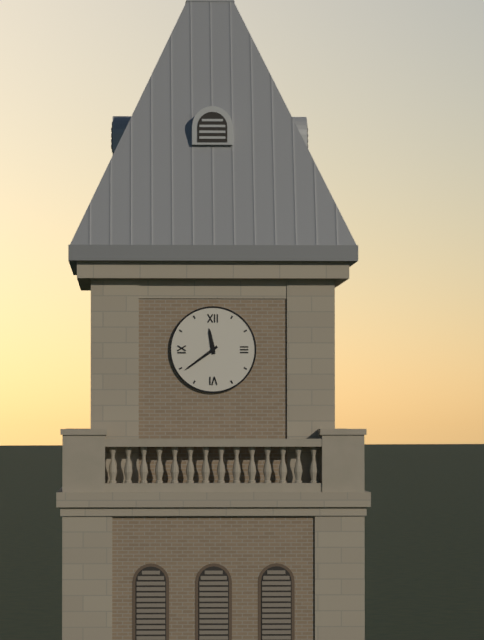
11:39
